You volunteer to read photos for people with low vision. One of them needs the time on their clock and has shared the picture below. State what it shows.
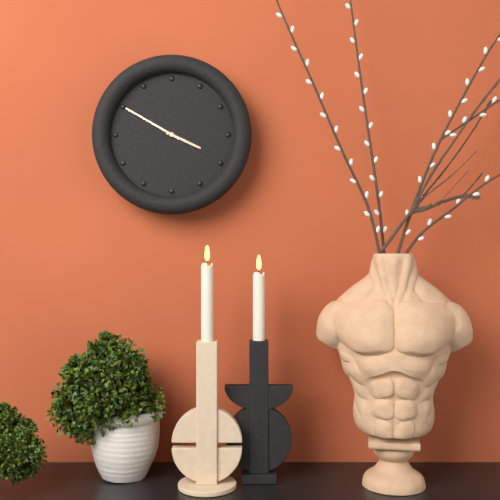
3:50
